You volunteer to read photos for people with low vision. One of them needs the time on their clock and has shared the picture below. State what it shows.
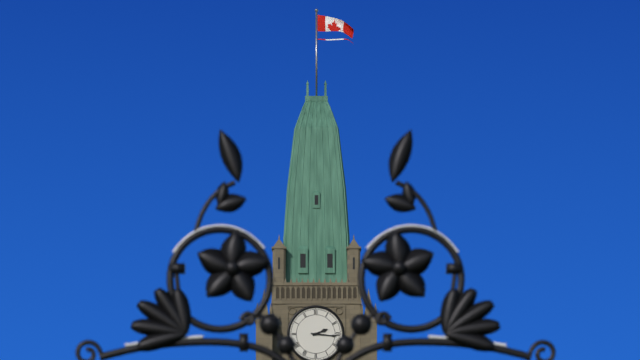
2:16
